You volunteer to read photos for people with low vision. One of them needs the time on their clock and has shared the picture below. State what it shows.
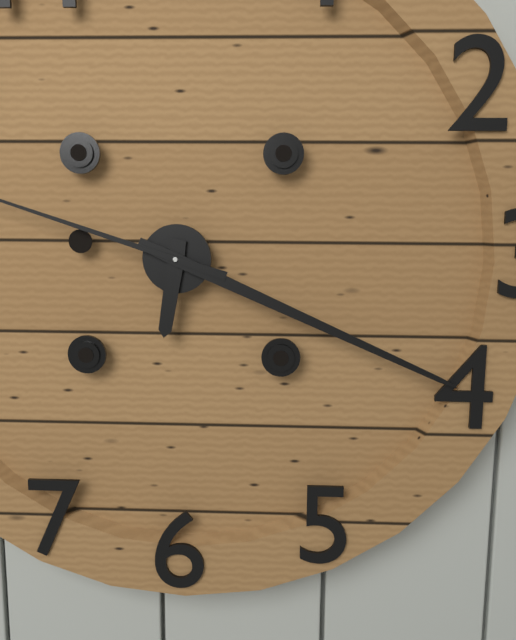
6:19
